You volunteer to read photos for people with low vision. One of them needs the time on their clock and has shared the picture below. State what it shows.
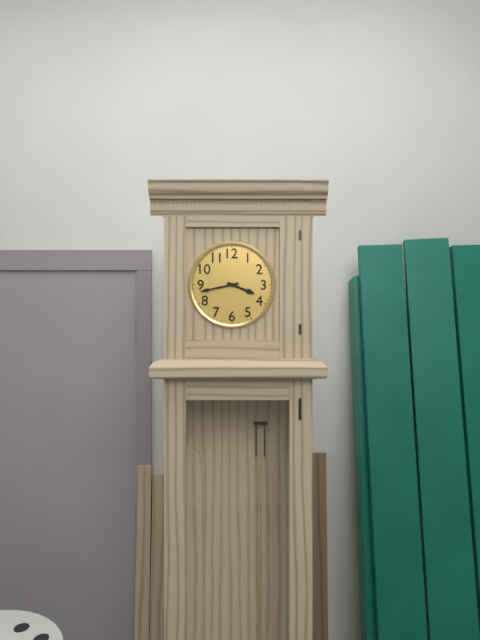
3:43
